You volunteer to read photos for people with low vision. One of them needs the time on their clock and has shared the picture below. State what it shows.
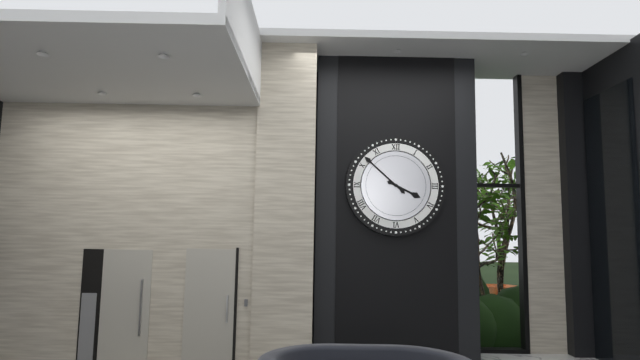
3:52
